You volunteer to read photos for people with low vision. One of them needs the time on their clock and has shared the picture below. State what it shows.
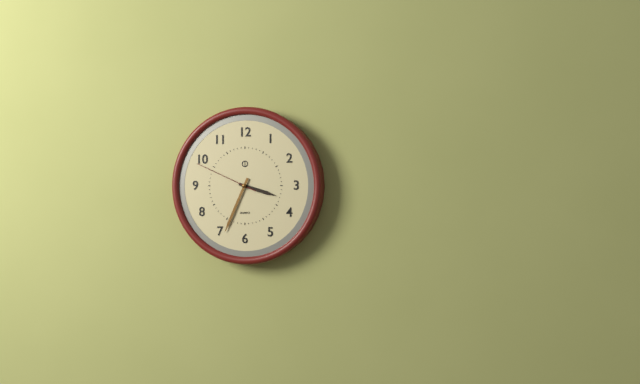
3:34:49
